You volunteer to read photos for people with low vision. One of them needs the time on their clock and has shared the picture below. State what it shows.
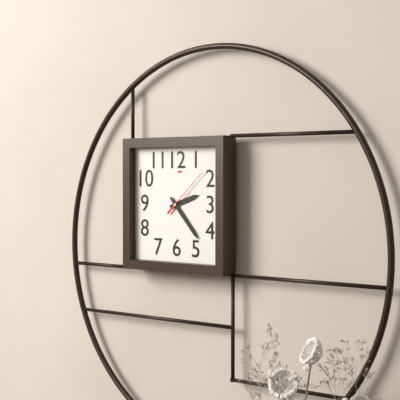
2:23:08
